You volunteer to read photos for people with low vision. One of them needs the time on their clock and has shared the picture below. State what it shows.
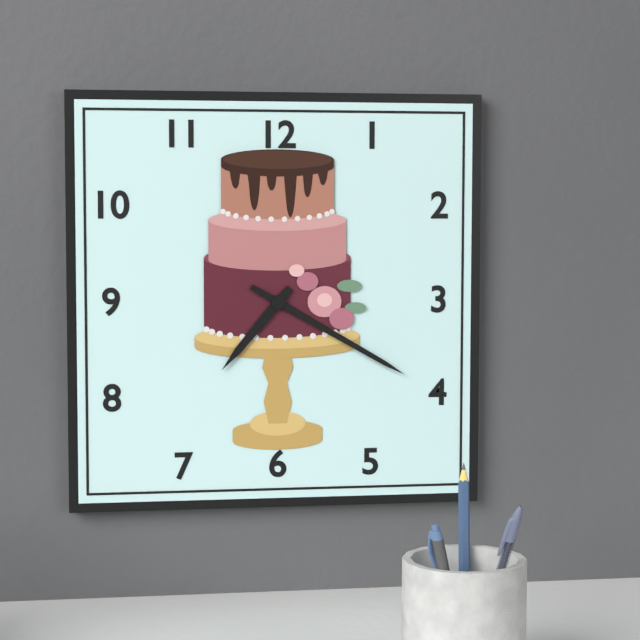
7:20
